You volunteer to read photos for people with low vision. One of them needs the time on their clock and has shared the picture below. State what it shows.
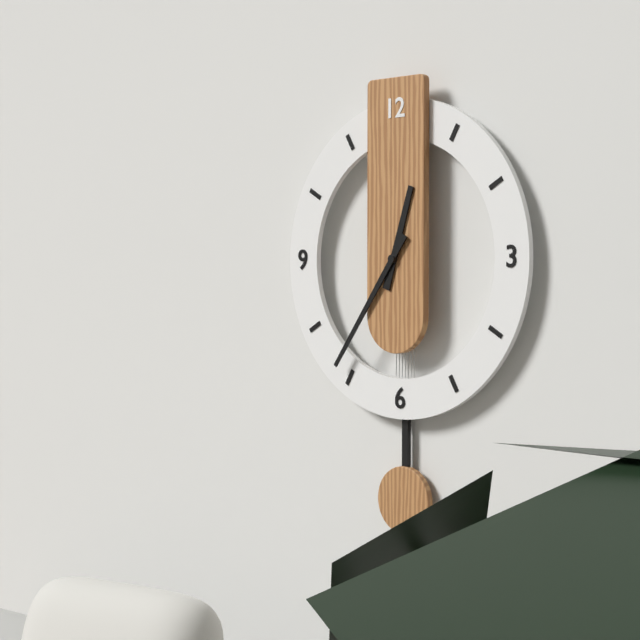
12:36
